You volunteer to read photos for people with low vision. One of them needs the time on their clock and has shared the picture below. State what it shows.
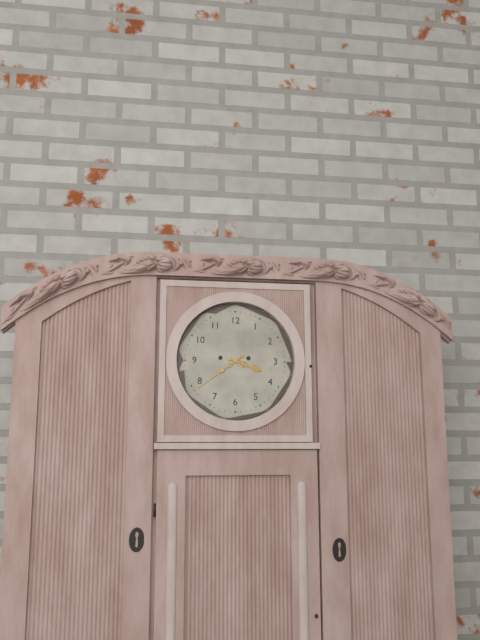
3:39
